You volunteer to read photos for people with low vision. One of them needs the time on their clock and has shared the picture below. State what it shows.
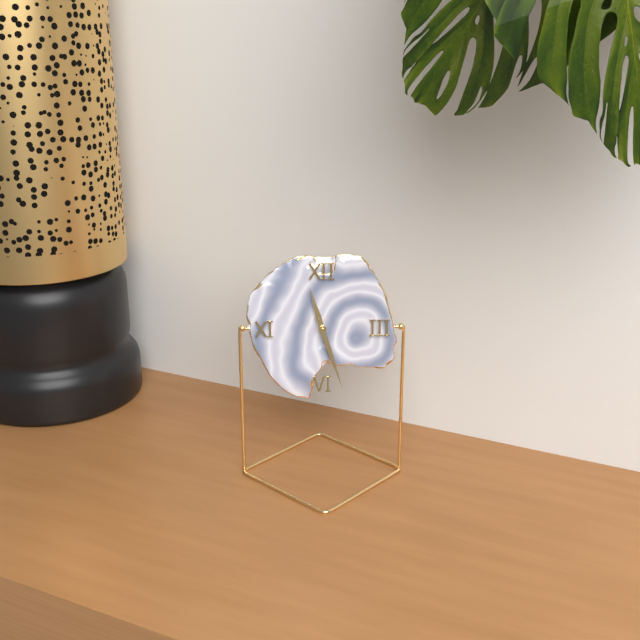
11:27
